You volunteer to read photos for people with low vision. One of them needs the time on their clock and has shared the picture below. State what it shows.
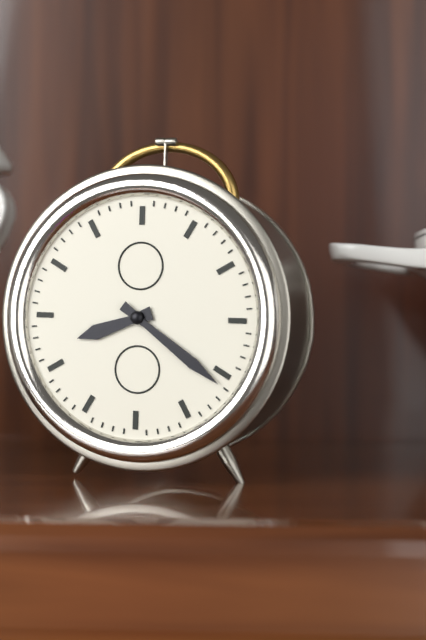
8:21
